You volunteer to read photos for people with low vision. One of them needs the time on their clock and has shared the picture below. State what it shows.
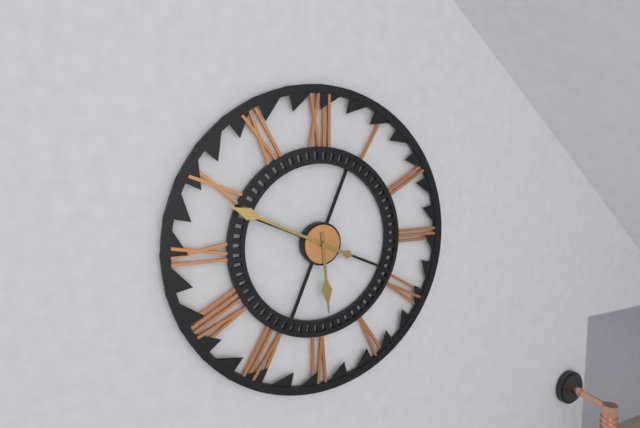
5:49
